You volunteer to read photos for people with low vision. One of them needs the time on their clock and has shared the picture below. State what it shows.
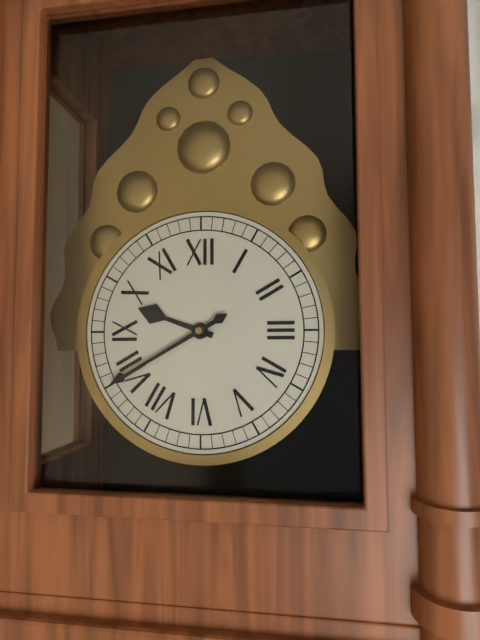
9:40
